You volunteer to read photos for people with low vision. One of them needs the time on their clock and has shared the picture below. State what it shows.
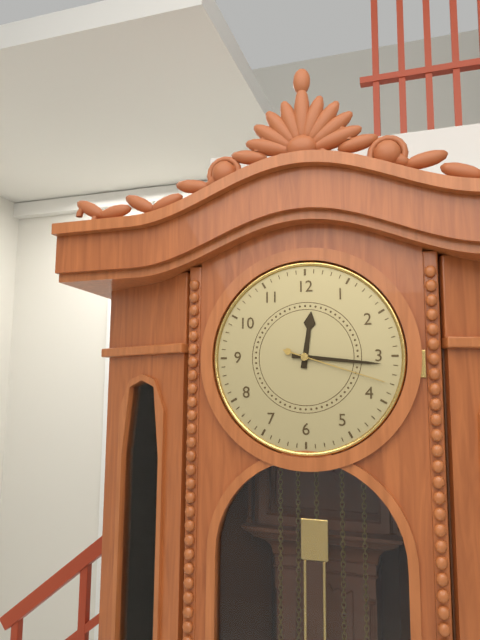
12:16:18
